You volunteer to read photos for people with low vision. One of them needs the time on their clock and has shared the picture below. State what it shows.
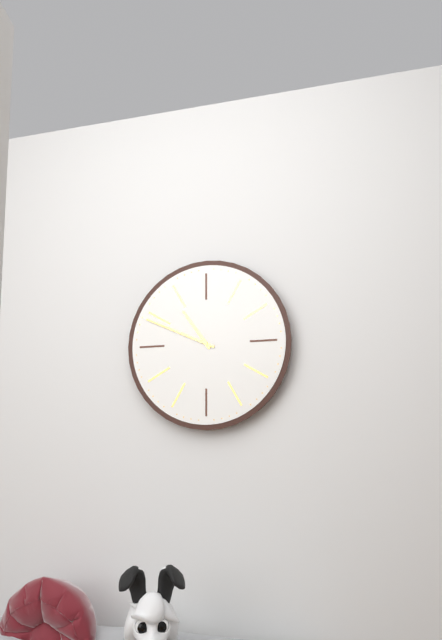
10:49
